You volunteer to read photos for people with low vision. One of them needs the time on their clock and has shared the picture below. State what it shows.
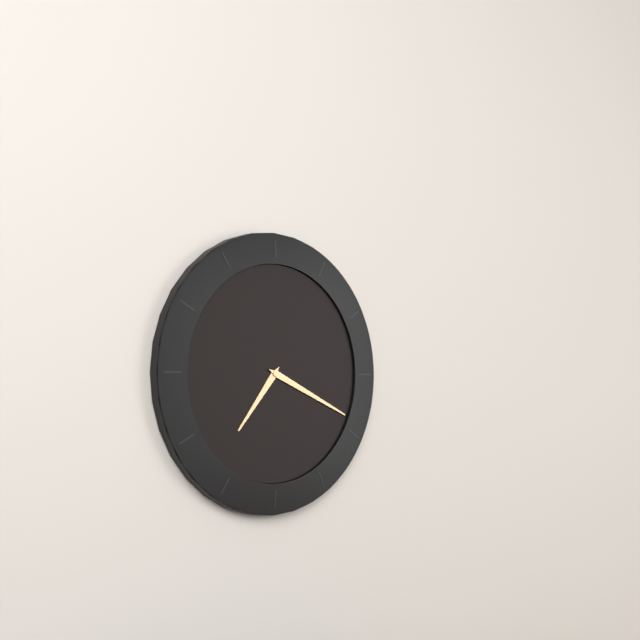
7:19
